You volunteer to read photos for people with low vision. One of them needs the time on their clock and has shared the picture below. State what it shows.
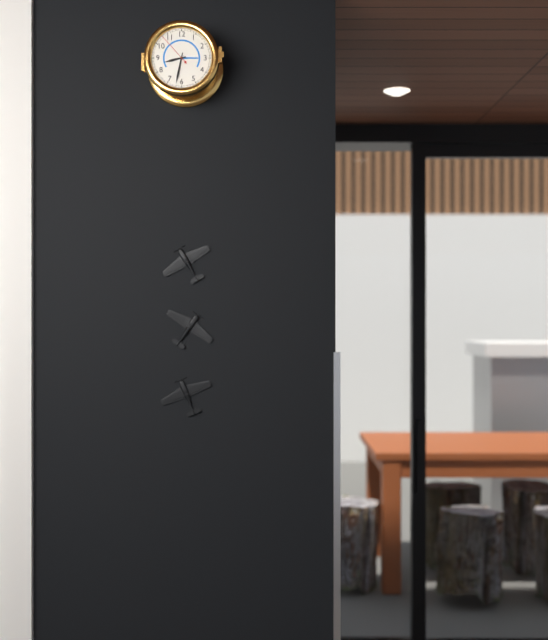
8:32
